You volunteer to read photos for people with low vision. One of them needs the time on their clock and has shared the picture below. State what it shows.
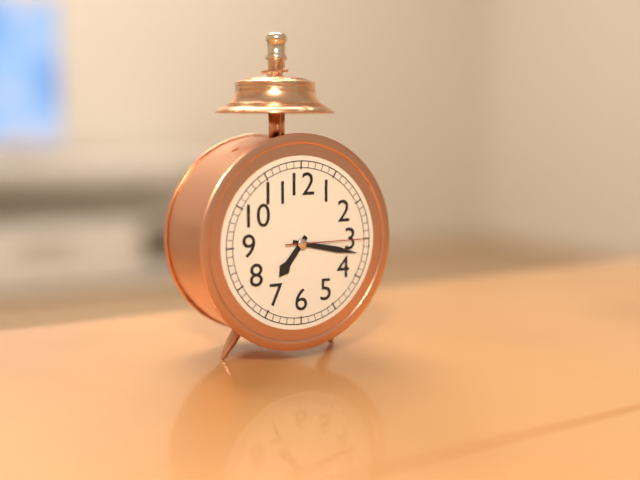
7:17:15
